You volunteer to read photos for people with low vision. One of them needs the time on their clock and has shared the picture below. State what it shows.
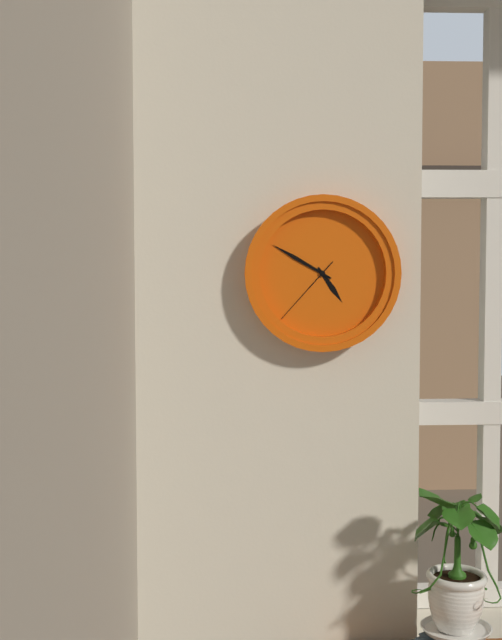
4:50:37
